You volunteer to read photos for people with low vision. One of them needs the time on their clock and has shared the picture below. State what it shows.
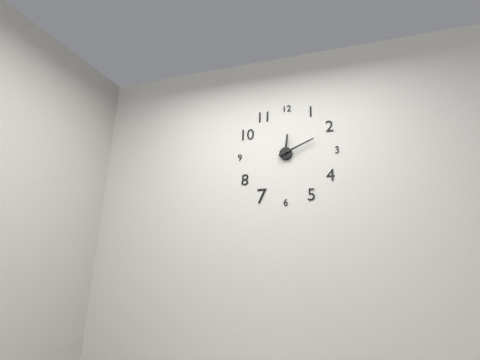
12:11
